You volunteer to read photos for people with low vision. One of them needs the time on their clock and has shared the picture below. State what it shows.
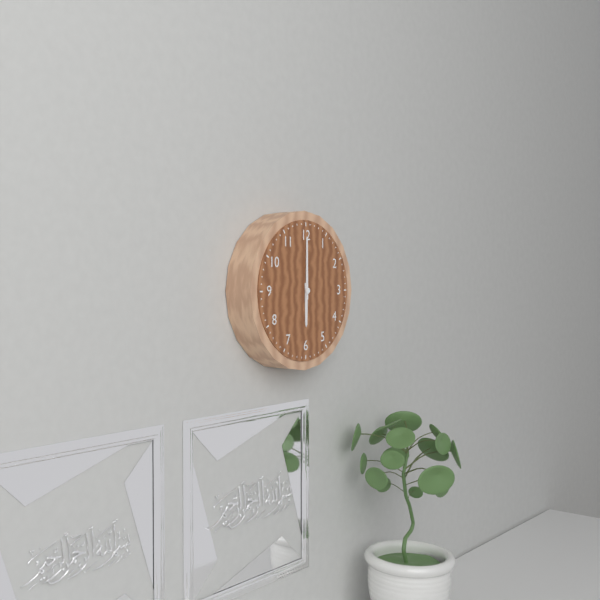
6:00
